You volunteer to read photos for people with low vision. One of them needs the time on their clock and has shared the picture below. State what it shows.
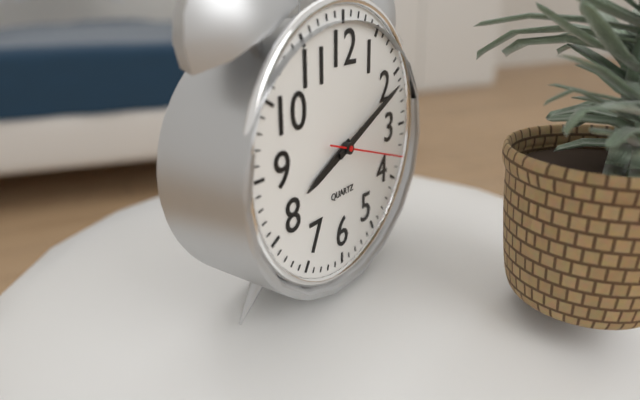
8:11:18
